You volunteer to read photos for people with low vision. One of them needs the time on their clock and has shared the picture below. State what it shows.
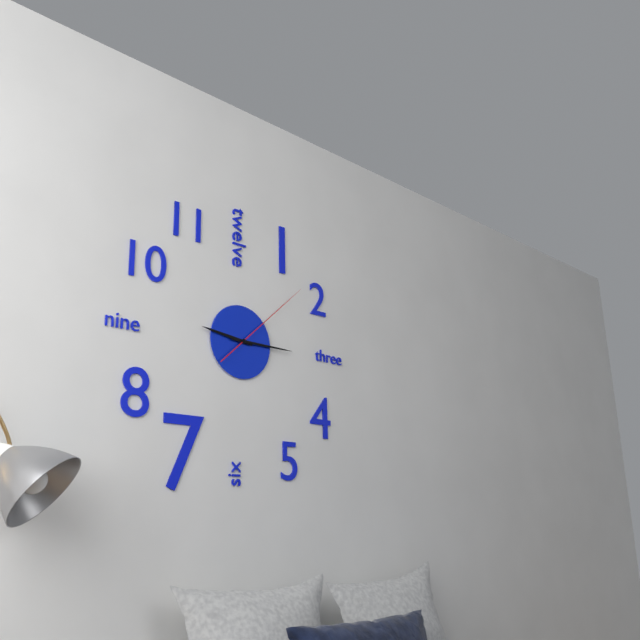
9:15:08
